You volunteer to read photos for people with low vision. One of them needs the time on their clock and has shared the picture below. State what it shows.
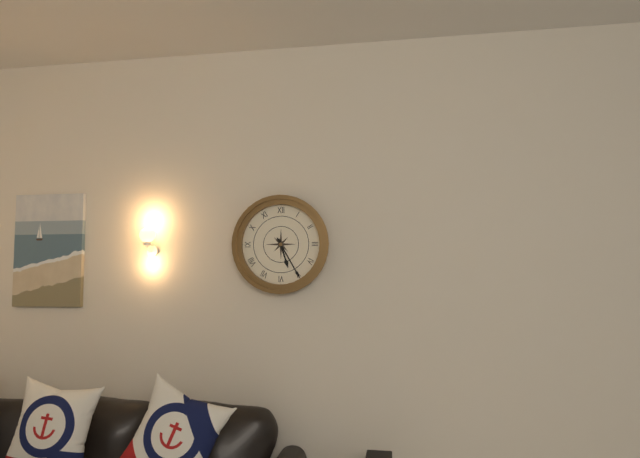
5:25
